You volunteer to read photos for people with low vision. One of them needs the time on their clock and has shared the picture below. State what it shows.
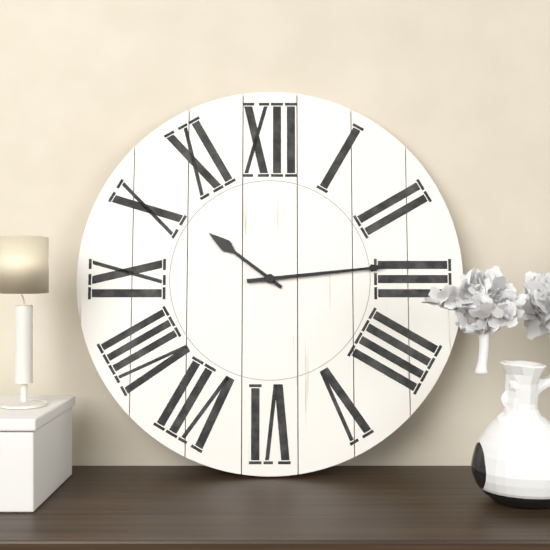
10:14
